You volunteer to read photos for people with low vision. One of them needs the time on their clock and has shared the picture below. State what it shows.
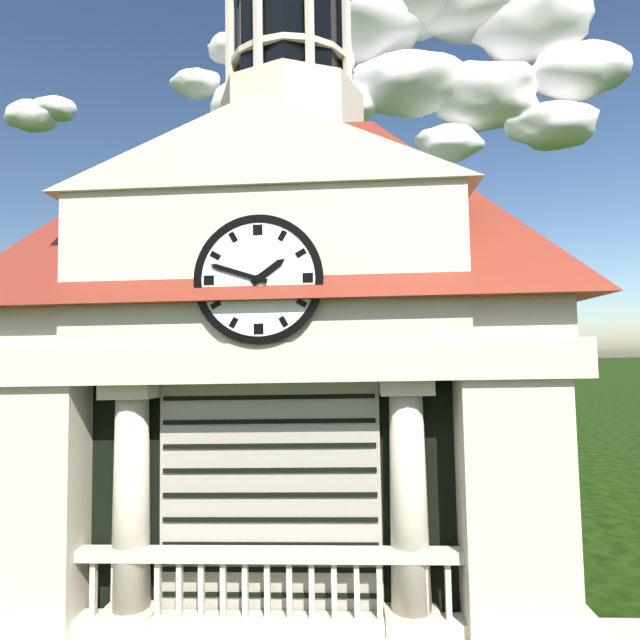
1:48
